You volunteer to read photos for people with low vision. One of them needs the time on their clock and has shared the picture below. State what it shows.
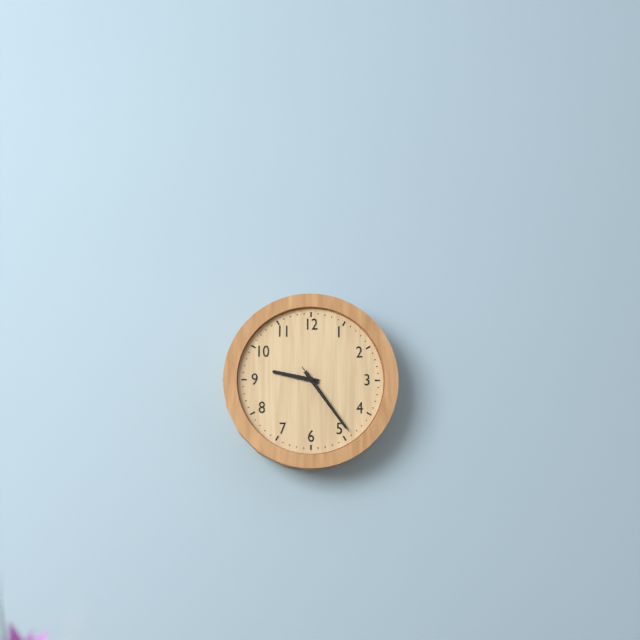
9:24:24
